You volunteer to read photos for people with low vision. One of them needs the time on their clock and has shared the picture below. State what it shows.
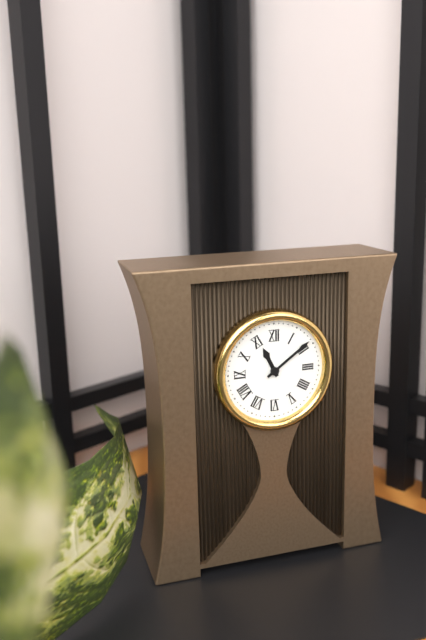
11:09
